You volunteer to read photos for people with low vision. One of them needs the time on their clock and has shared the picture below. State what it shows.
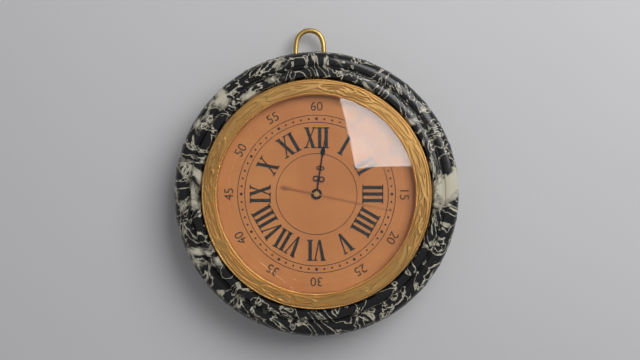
12:17
